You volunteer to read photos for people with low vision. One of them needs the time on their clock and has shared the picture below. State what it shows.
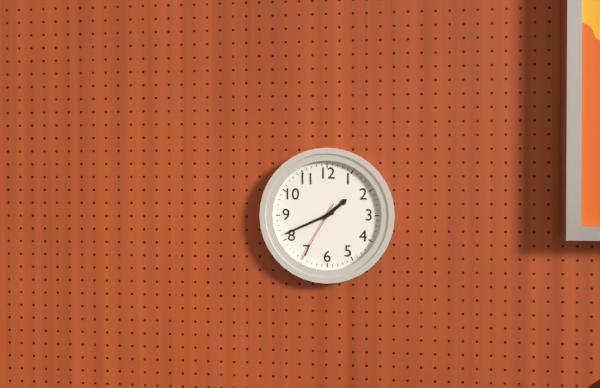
1:41:35
